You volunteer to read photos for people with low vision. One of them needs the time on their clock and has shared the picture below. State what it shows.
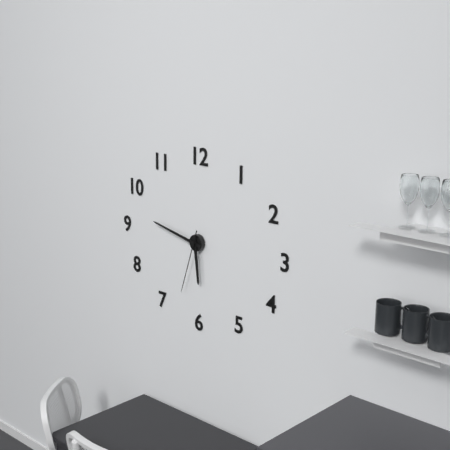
5:47:33
